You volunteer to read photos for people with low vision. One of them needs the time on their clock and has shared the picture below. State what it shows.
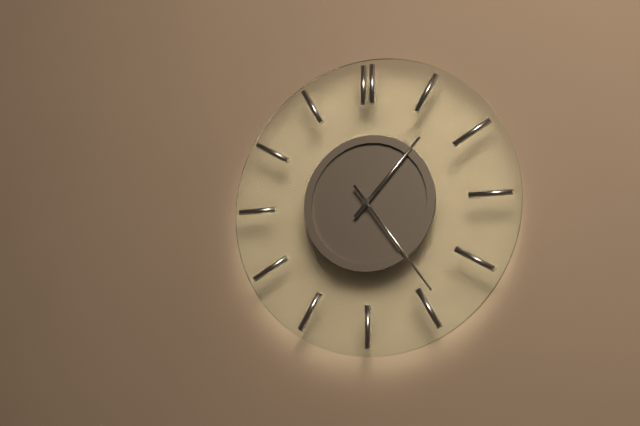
1:24
